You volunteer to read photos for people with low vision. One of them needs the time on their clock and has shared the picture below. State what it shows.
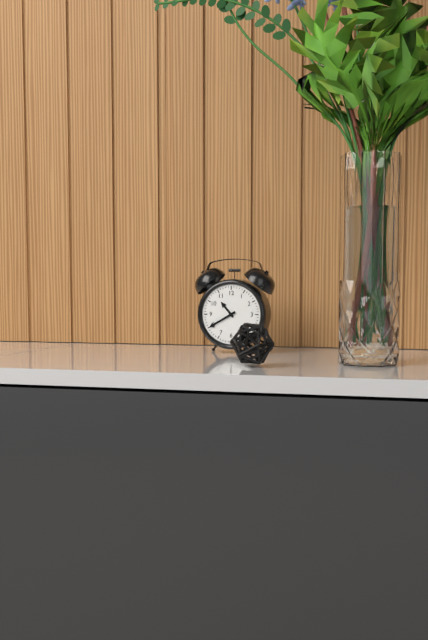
10:40
